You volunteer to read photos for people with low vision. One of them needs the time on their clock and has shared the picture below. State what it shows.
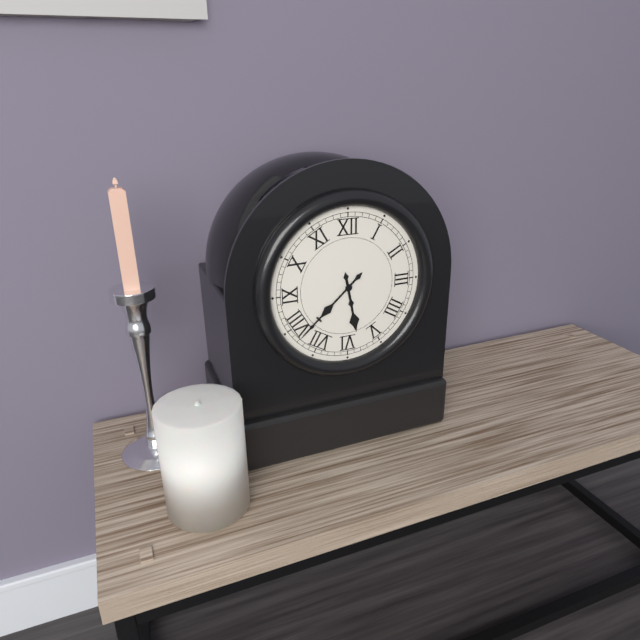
5:38
